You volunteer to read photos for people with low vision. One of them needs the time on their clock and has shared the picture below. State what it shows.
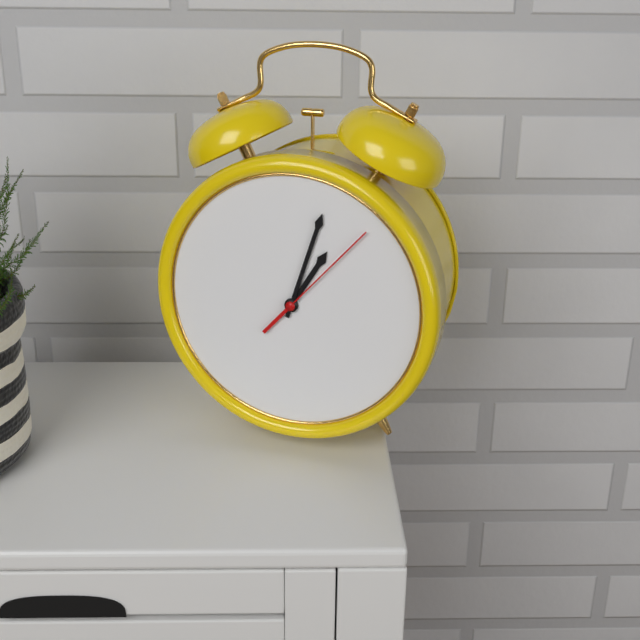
1:03:07
